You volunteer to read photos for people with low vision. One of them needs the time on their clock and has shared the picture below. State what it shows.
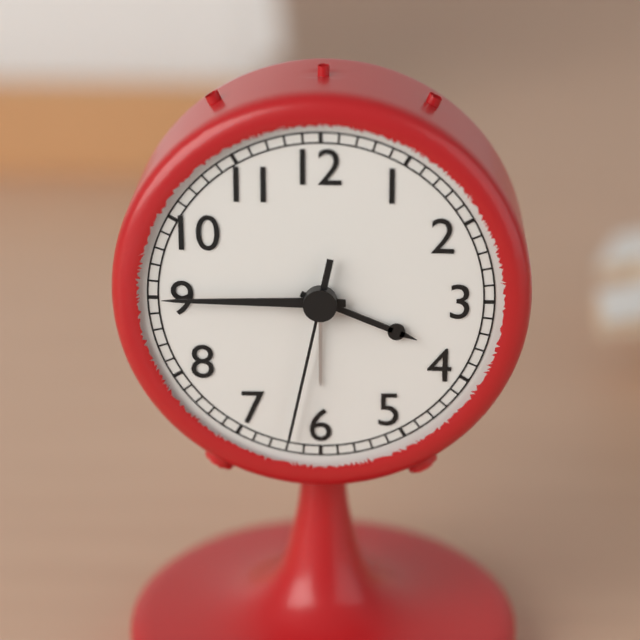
3:45:32
